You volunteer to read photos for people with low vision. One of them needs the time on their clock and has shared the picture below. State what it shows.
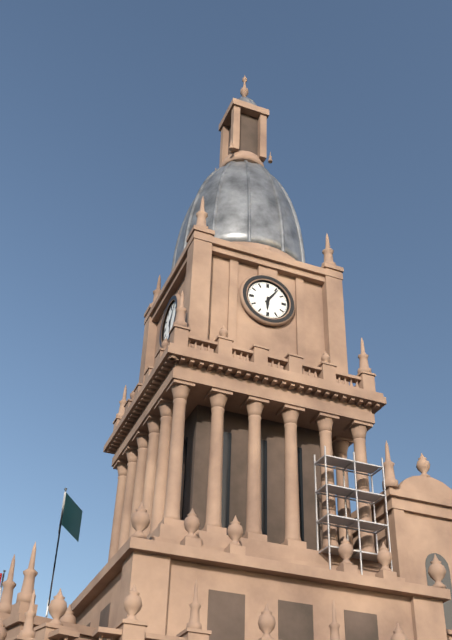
6:06
